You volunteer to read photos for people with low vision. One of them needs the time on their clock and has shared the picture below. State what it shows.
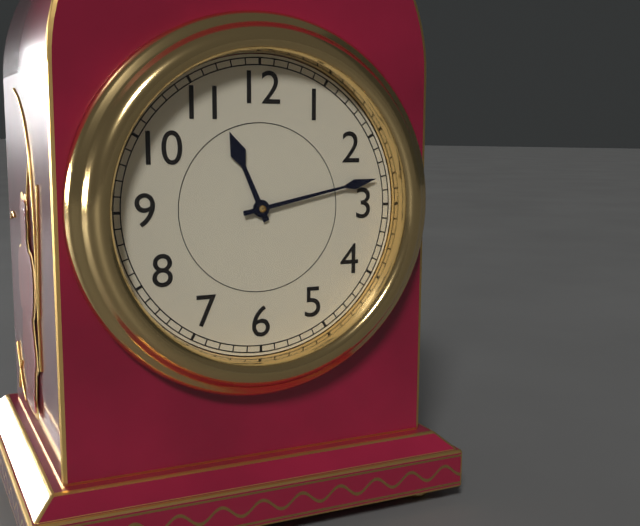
11:13
